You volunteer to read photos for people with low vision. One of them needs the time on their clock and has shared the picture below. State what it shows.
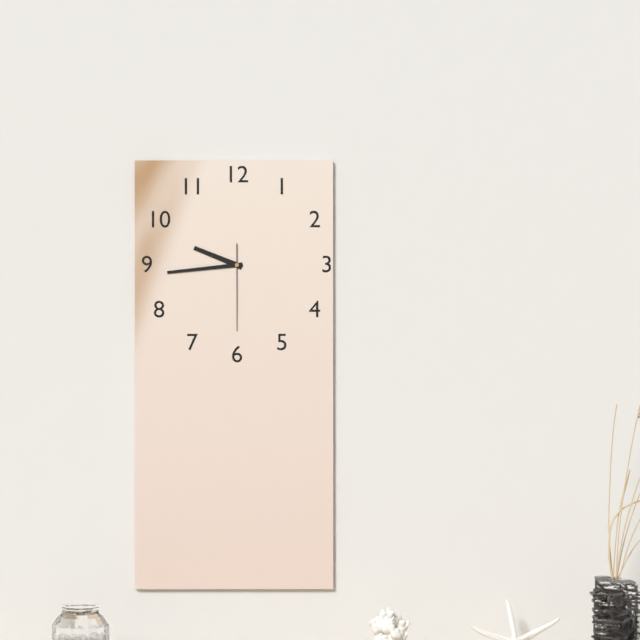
9:44:30
